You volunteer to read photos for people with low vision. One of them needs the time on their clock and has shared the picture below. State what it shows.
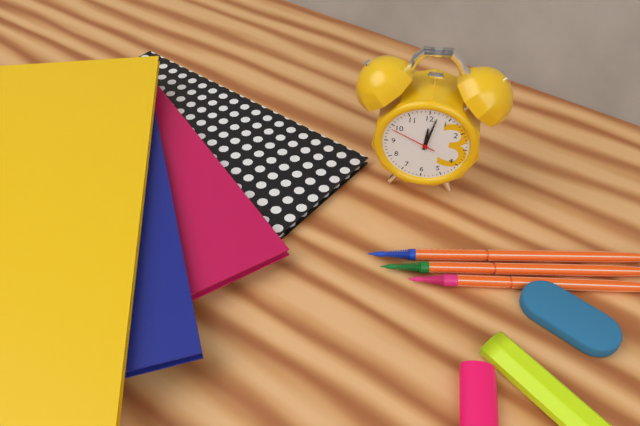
12:02
